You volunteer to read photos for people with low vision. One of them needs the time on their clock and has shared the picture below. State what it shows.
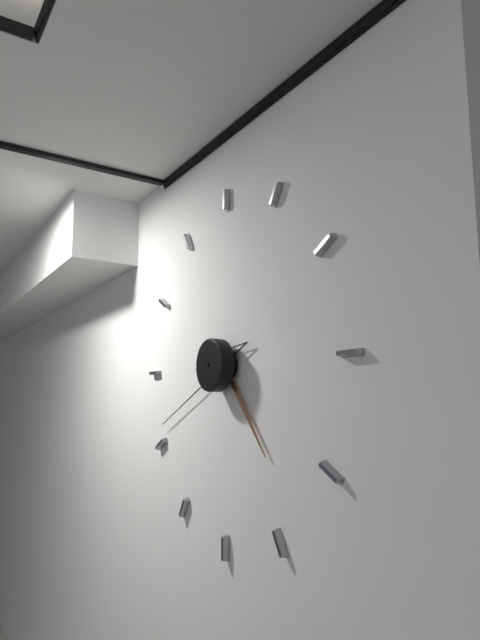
4:41
